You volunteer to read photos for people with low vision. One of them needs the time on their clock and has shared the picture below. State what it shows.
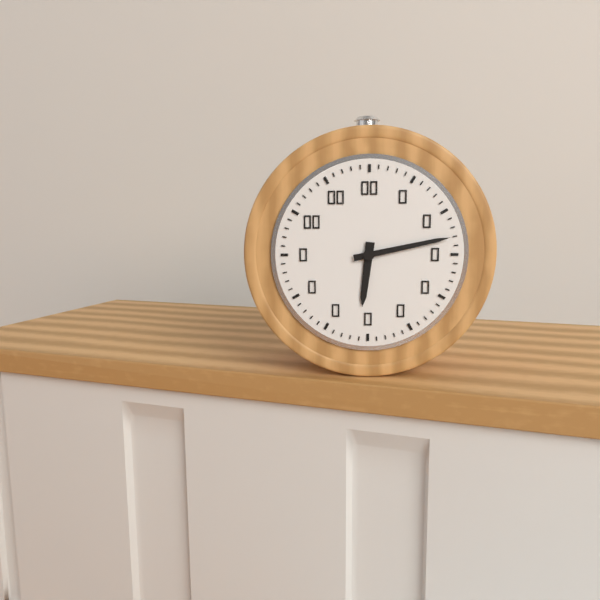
6:13
